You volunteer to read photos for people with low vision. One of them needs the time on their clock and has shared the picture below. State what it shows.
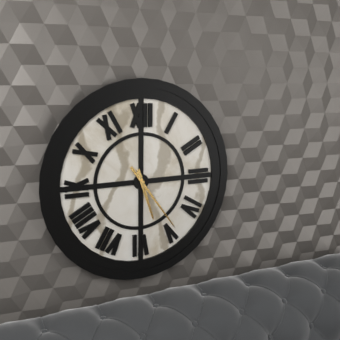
5:24
